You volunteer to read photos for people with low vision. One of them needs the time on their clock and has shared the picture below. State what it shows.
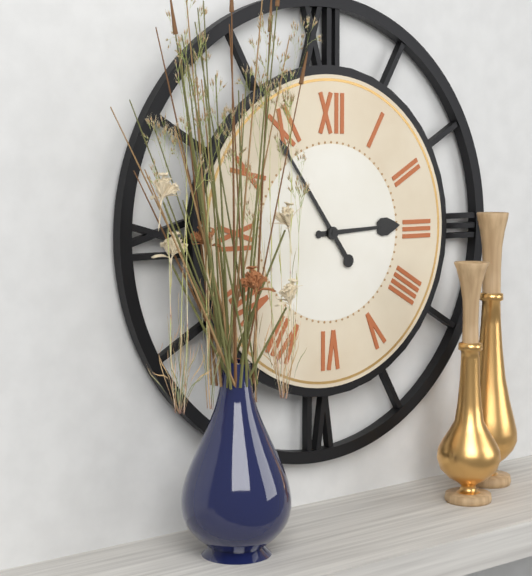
2:54
